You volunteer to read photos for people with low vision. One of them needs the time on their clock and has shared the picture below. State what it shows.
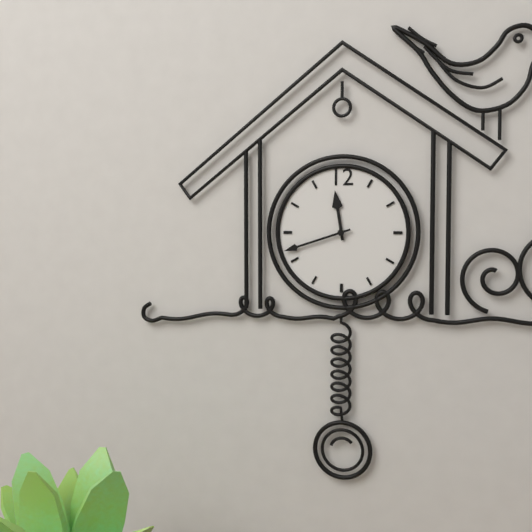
11:42
